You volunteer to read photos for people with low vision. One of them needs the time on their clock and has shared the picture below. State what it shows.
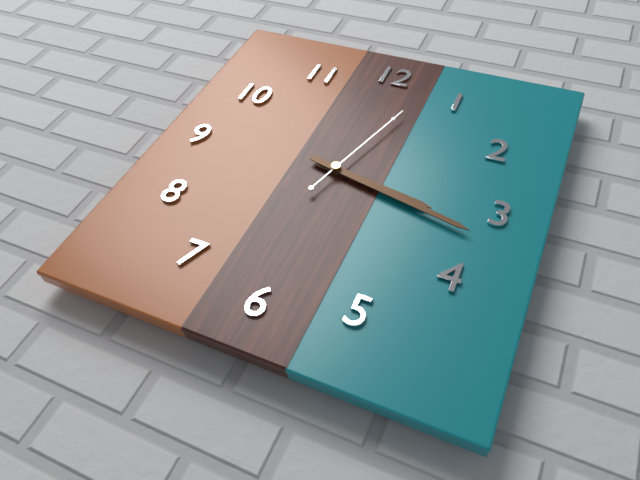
3:17:03
